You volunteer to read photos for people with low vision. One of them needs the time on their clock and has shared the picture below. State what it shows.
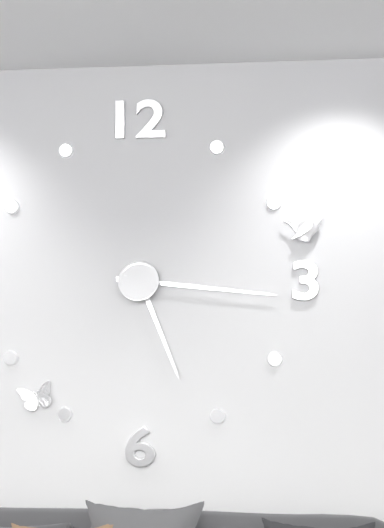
5:16
